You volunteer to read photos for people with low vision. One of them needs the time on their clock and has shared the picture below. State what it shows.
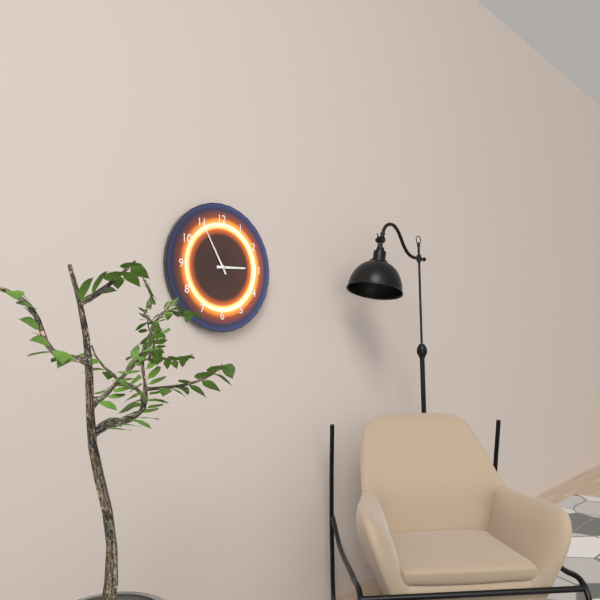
2:55
